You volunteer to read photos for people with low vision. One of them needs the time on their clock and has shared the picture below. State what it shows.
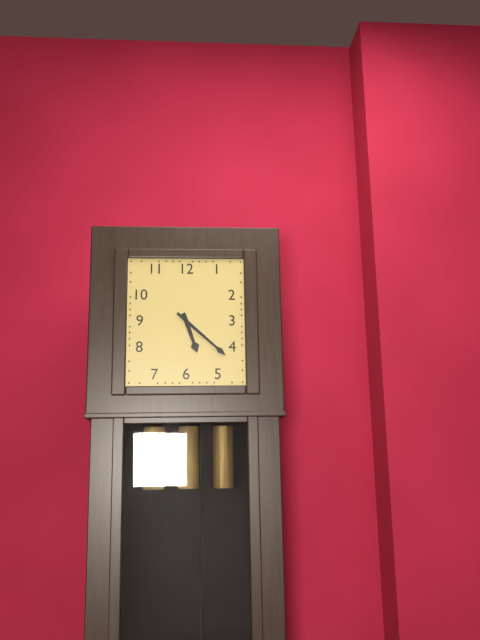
5:22
